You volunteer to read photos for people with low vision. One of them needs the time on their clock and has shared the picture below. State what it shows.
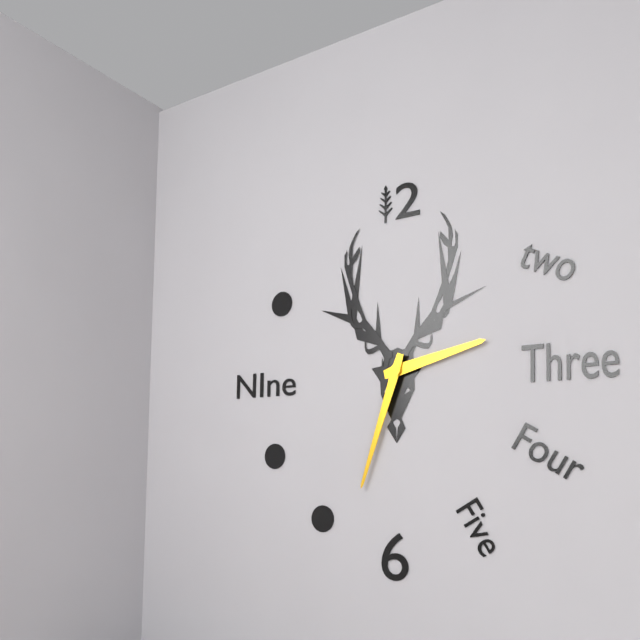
2:33
